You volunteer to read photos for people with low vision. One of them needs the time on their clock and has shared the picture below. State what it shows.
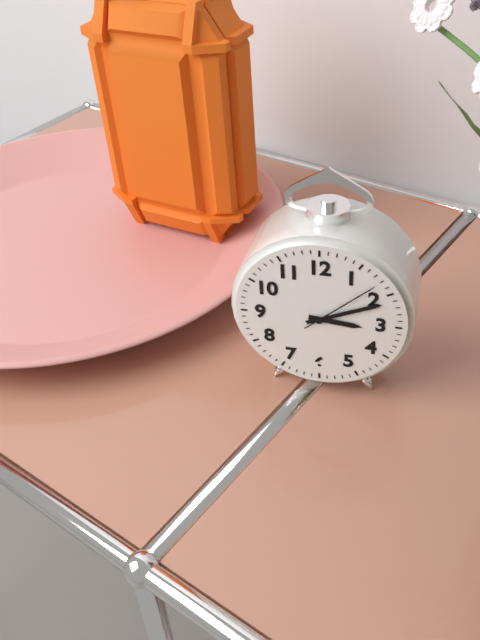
3:11:08
